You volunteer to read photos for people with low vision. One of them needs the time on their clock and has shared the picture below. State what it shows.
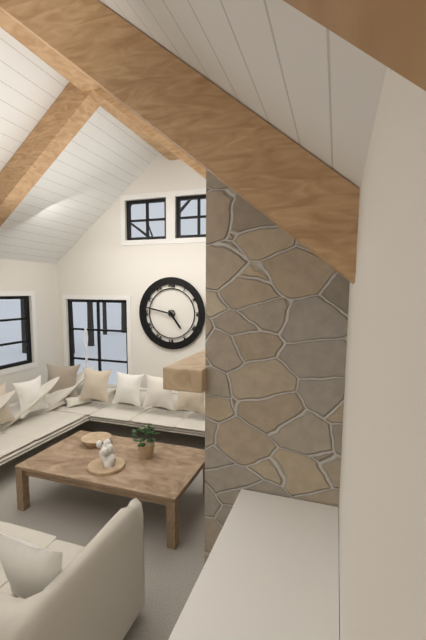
4:47
